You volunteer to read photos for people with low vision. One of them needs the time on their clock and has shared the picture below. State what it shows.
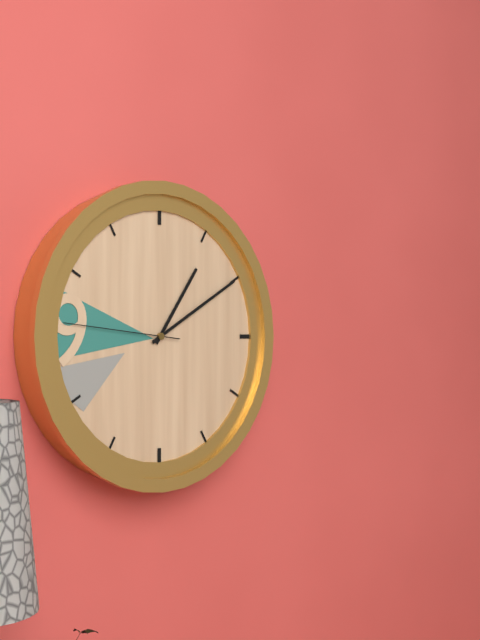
1:10:46
